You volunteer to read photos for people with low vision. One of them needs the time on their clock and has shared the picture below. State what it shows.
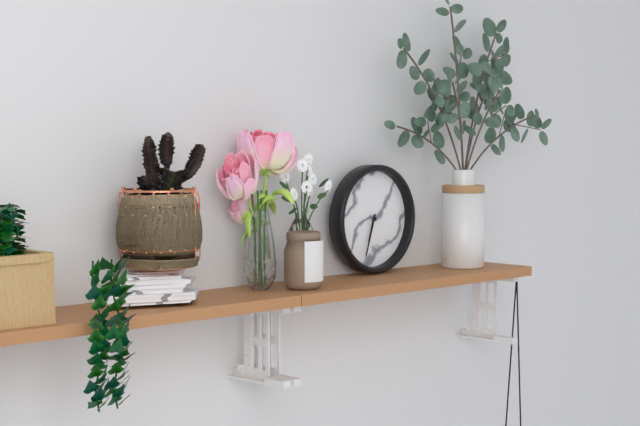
6:33
